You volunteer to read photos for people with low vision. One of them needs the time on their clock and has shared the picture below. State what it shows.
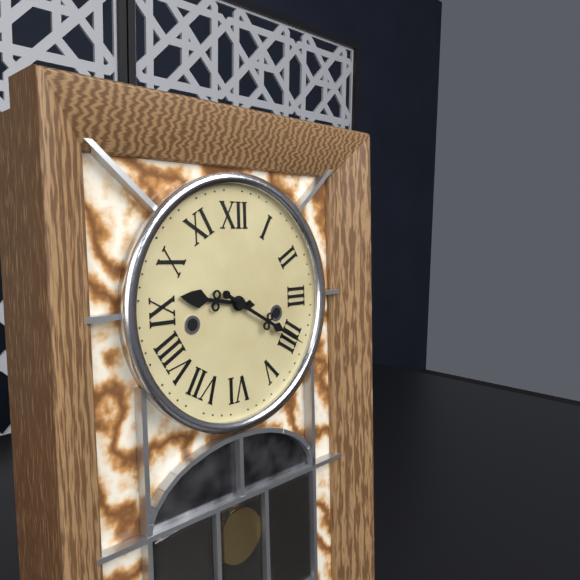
9:20
